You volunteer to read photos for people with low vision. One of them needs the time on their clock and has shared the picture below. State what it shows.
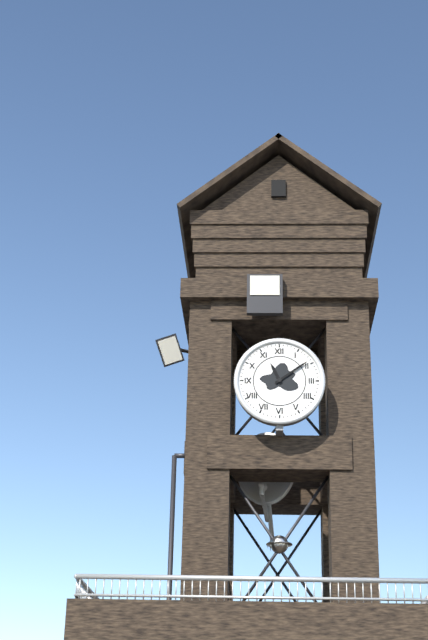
11:09
